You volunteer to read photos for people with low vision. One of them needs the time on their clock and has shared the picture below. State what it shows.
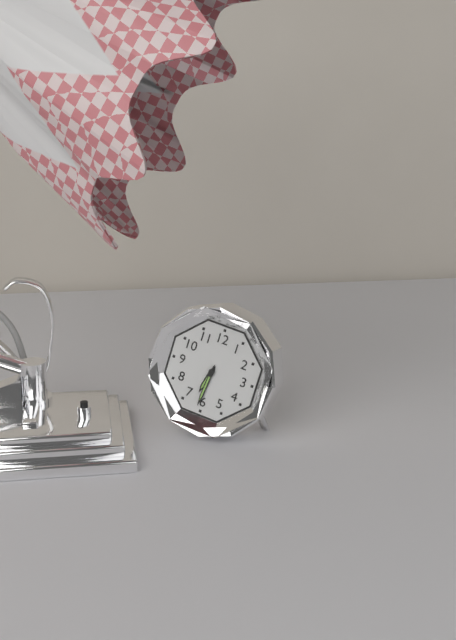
6:31
